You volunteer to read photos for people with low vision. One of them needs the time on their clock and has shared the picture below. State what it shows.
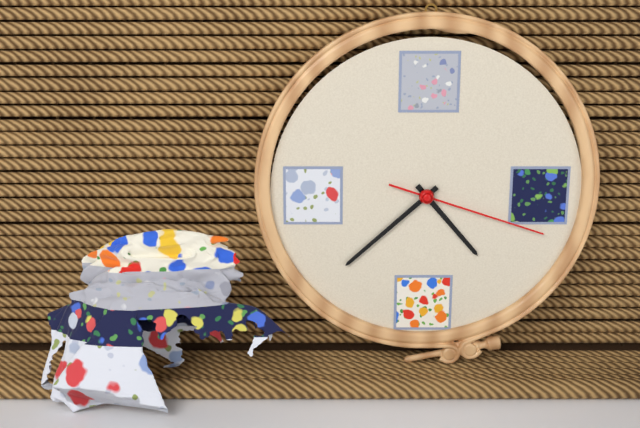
4:38:18
